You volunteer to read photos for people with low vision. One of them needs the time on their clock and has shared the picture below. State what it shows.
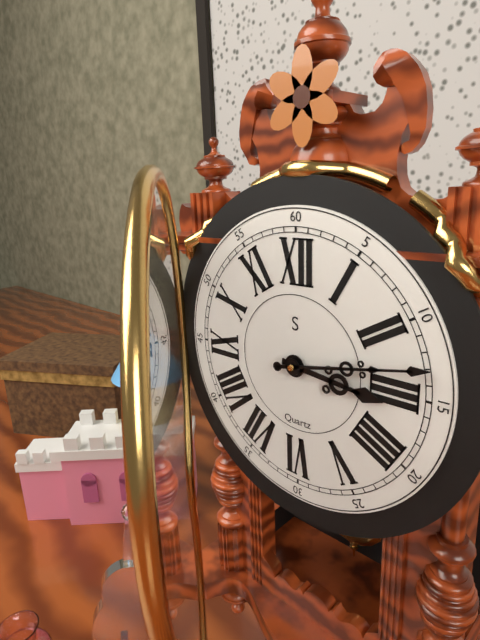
3:13
